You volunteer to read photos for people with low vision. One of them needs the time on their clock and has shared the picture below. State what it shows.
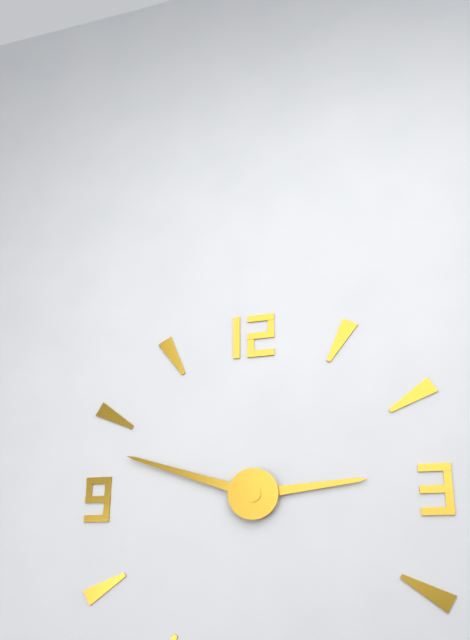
2:48
